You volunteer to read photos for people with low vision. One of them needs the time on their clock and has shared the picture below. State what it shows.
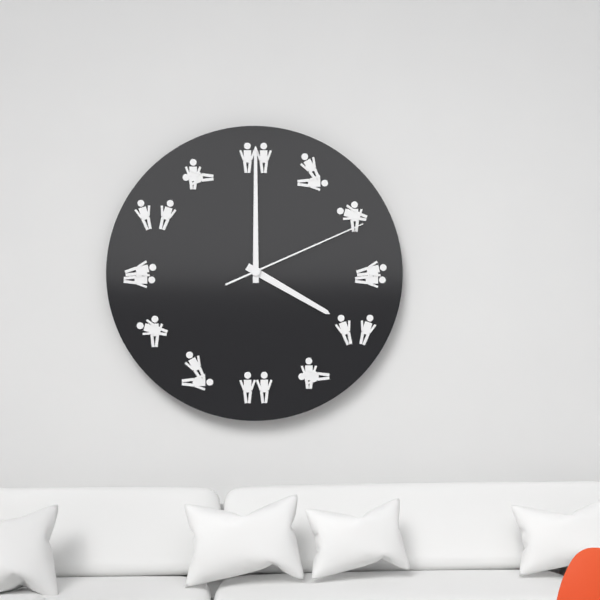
4:00:11
